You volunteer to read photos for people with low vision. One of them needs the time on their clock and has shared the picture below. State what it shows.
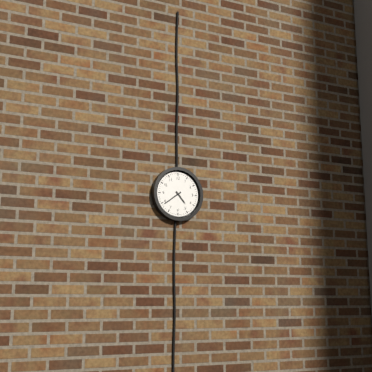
4:39
